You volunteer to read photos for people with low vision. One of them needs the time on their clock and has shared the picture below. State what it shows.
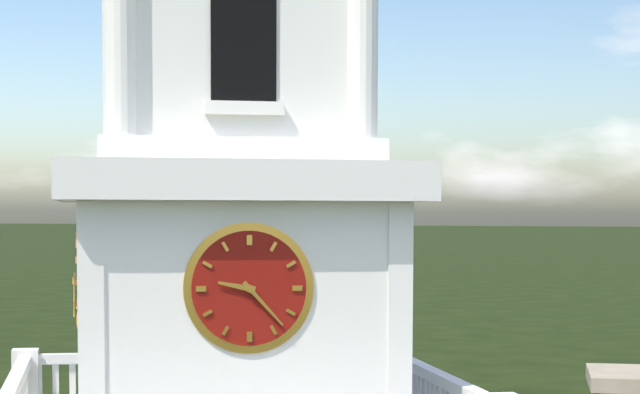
9:23
